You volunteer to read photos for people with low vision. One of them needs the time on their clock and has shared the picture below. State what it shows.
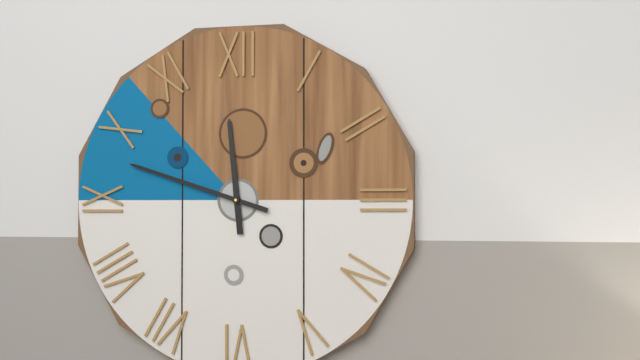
11:48
